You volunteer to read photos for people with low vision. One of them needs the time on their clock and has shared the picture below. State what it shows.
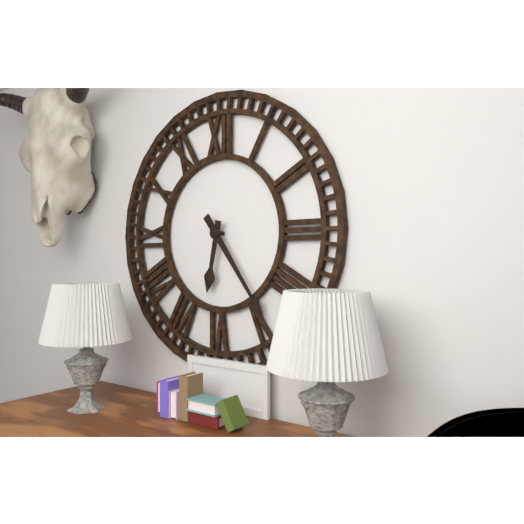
6:24
